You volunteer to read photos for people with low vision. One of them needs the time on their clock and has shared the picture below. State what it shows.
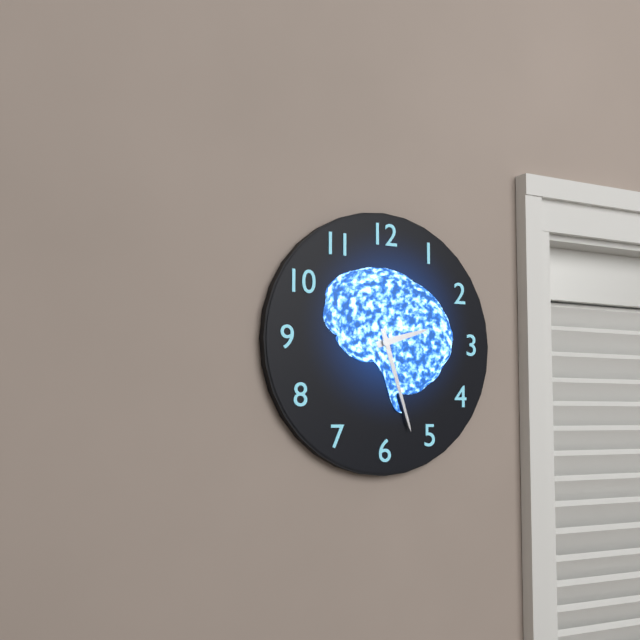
2:27
